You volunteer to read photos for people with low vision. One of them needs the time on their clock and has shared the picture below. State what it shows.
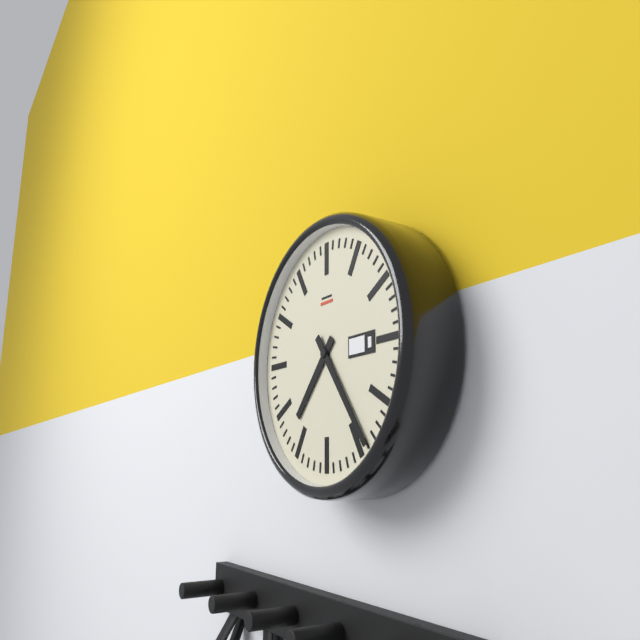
7:24
